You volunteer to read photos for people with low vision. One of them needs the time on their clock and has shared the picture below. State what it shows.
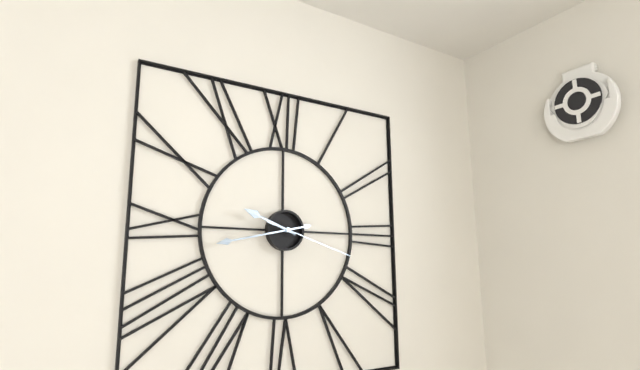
9:43:18
